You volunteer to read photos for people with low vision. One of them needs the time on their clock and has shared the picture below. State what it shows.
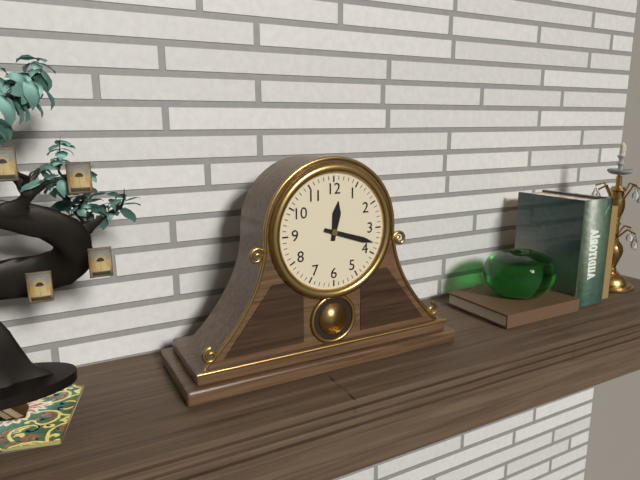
12:18
